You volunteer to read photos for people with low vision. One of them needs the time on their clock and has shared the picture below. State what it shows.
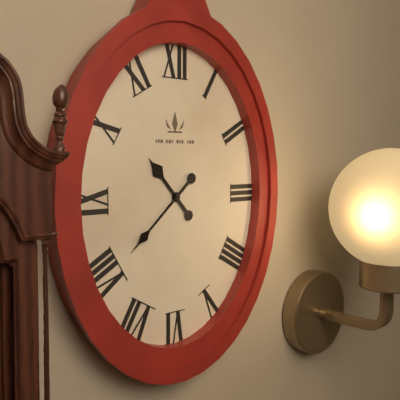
10:38
